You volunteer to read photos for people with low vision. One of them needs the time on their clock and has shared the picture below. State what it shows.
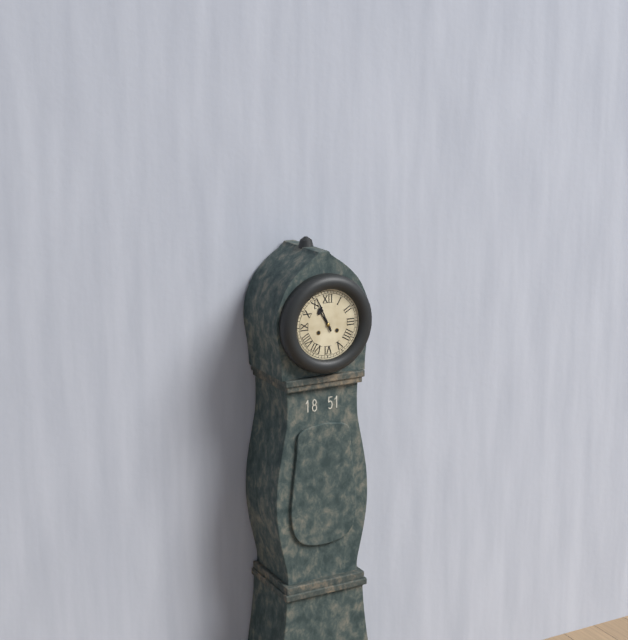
10:56
